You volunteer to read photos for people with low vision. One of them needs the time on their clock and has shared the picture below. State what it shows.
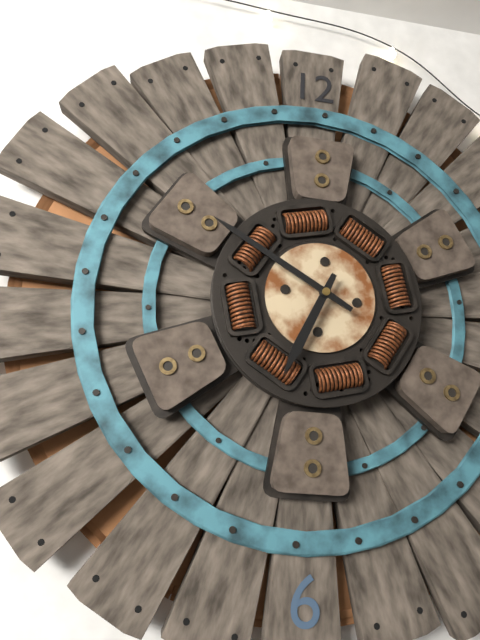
6:50
